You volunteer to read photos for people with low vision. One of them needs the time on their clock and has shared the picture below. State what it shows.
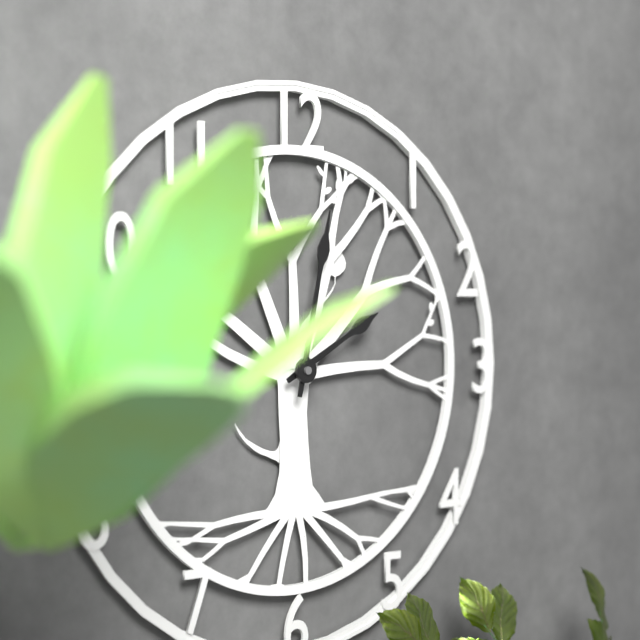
2:02
